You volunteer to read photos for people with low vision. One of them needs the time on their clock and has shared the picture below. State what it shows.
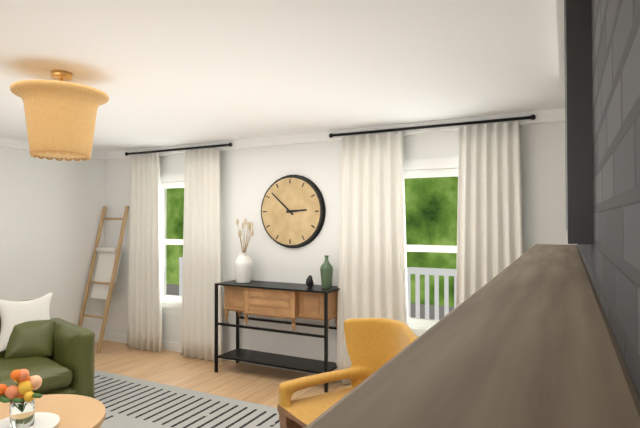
2:52
